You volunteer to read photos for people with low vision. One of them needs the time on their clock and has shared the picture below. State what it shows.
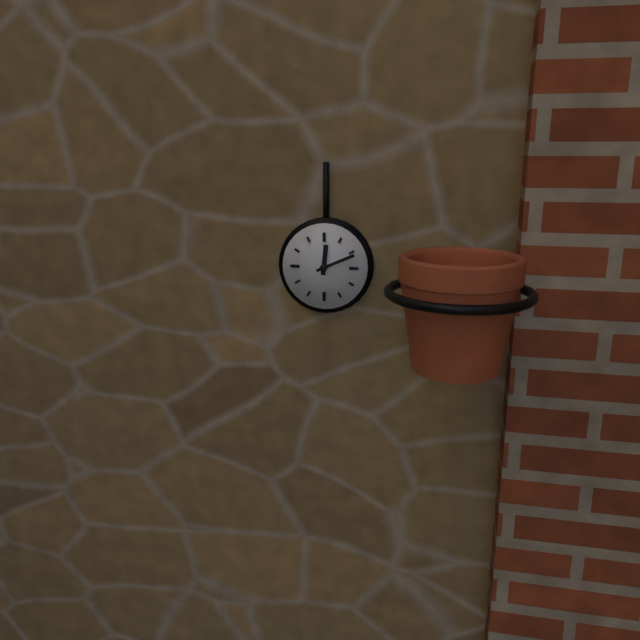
12:11
